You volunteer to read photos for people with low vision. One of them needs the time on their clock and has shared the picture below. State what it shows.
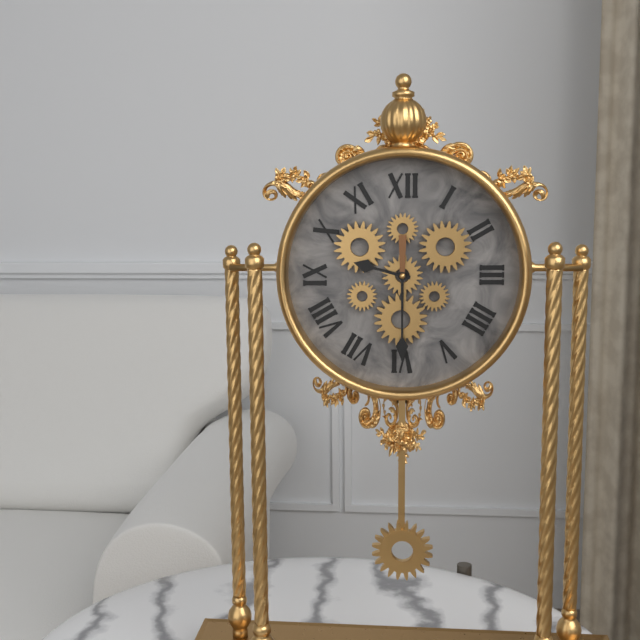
9:30
